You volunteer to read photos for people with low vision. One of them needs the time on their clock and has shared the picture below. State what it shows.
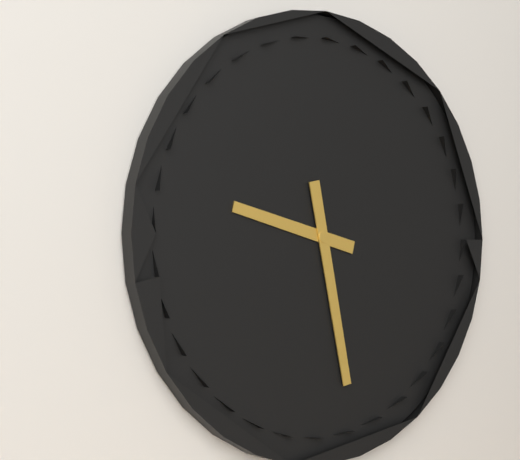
9:28
